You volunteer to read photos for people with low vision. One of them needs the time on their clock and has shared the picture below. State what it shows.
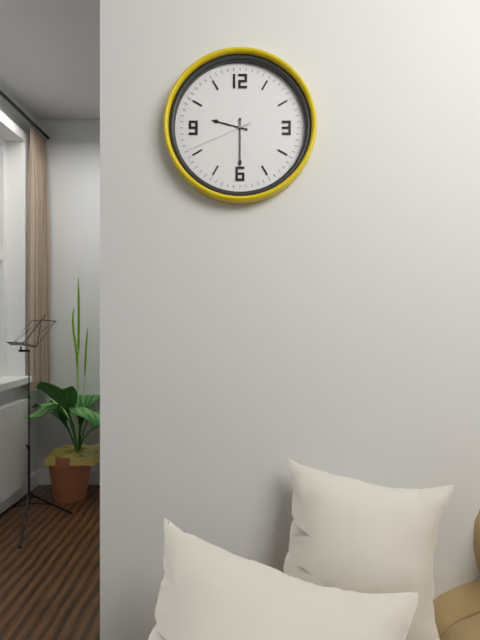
9:30:41
